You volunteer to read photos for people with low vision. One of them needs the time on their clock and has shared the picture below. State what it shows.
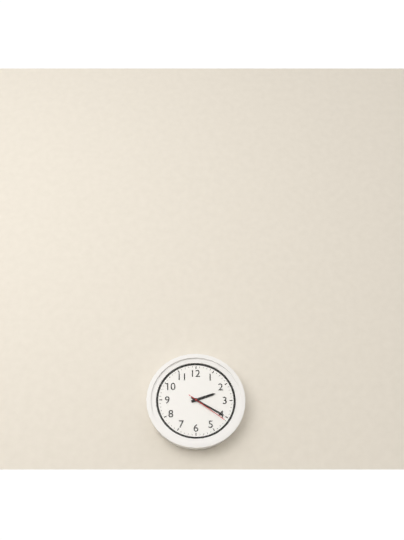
2:20
